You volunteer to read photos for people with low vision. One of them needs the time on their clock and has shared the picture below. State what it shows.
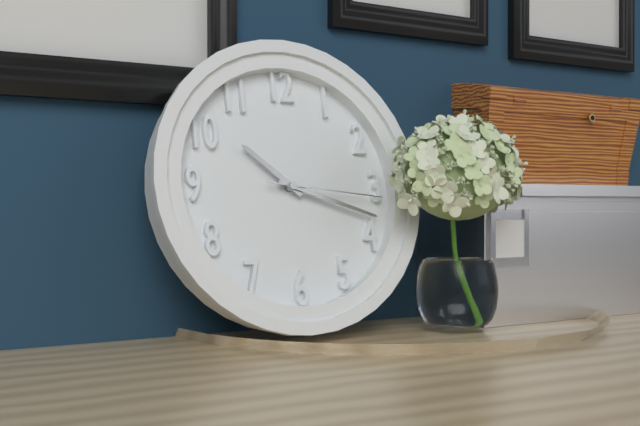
10:18:16
